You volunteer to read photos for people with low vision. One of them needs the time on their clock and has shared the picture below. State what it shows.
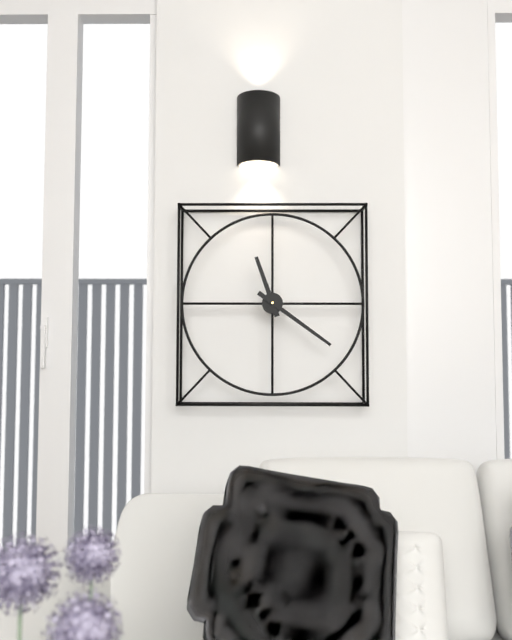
11:21
